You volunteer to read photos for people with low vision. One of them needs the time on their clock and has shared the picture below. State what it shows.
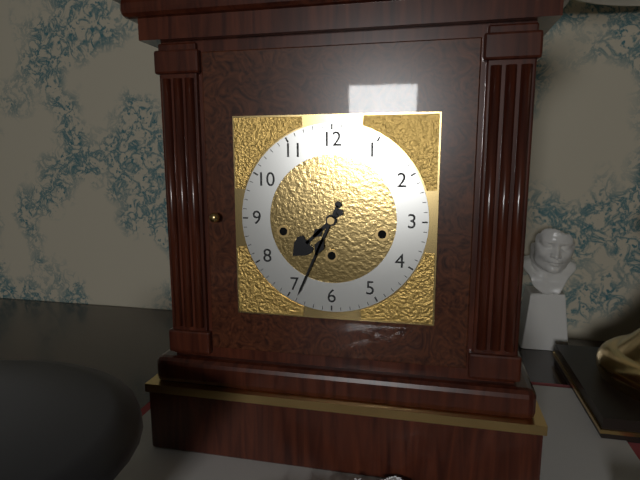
7:34
